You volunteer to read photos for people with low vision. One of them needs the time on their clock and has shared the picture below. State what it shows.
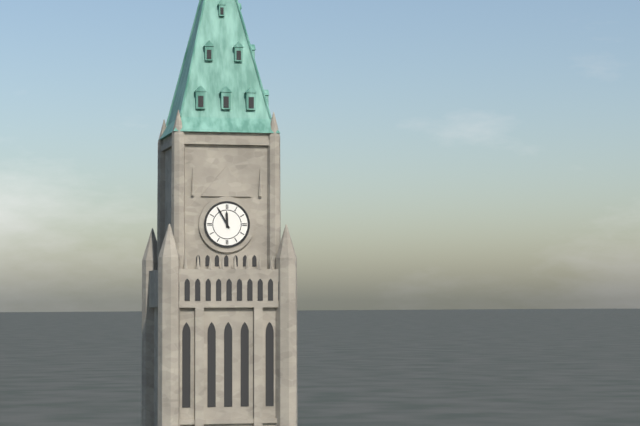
11:55
